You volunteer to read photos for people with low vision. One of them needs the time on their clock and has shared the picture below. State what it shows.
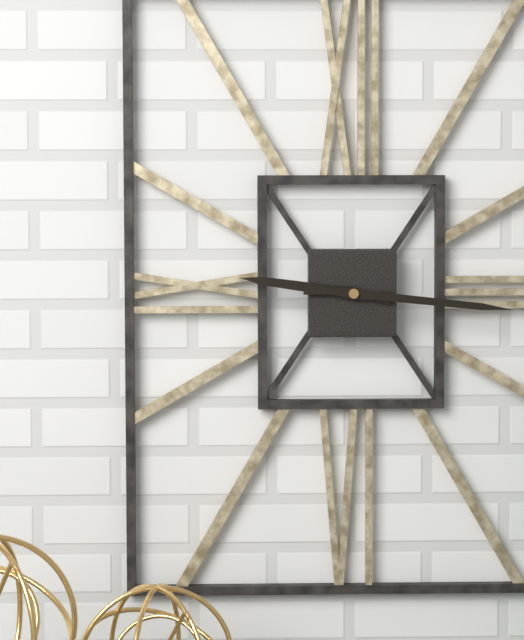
9:16
